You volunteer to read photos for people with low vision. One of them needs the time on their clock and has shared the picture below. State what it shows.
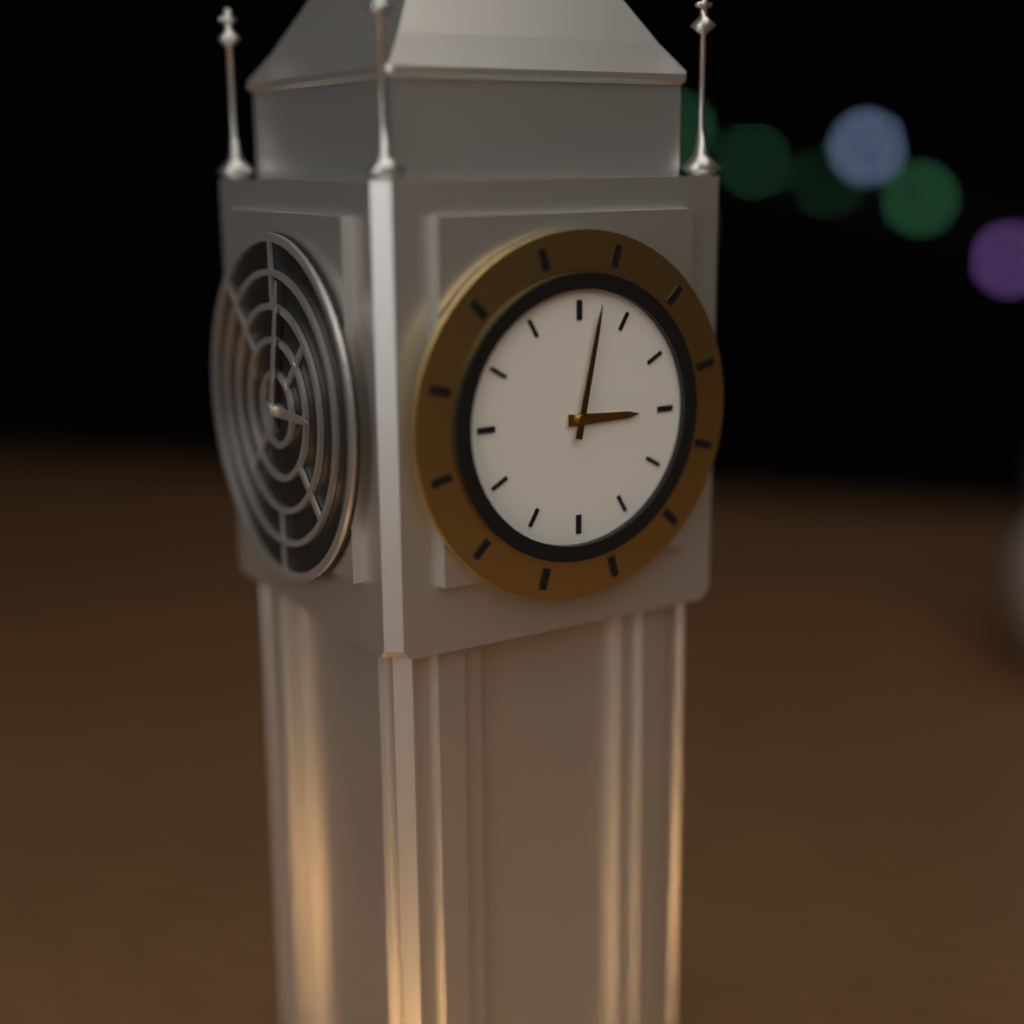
3:02
